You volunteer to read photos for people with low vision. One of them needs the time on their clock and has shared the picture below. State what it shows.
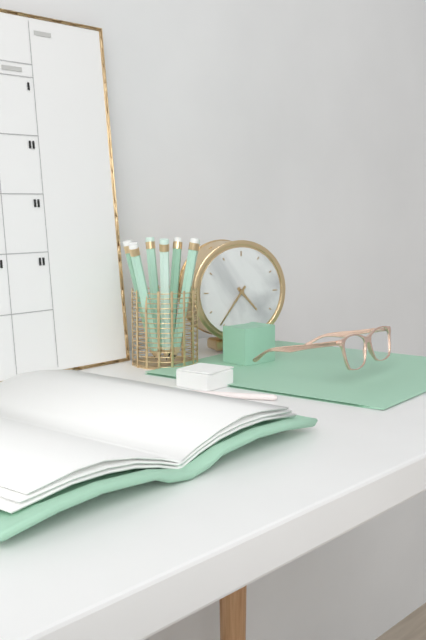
4:36
